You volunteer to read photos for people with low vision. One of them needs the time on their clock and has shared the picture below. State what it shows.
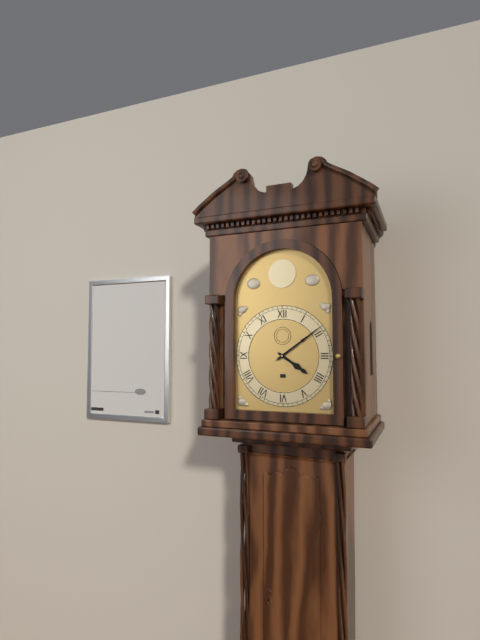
4:09
